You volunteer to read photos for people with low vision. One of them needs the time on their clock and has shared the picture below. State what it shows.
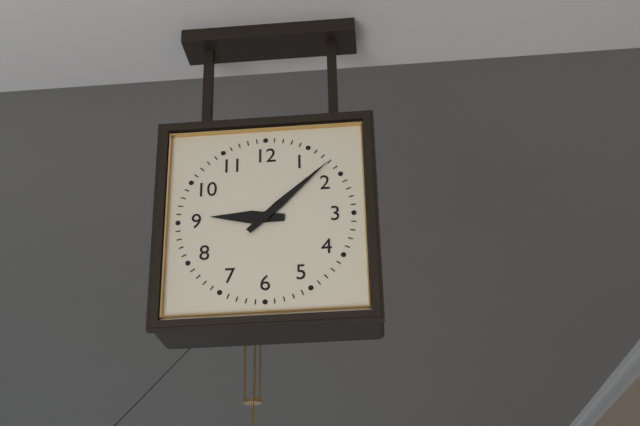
9:08
